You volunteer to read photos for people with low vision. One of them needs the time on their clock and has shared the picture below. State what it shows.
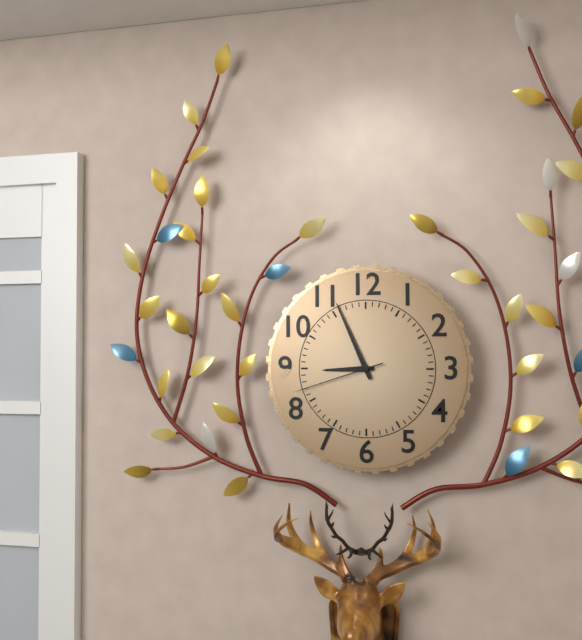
8:56:42
